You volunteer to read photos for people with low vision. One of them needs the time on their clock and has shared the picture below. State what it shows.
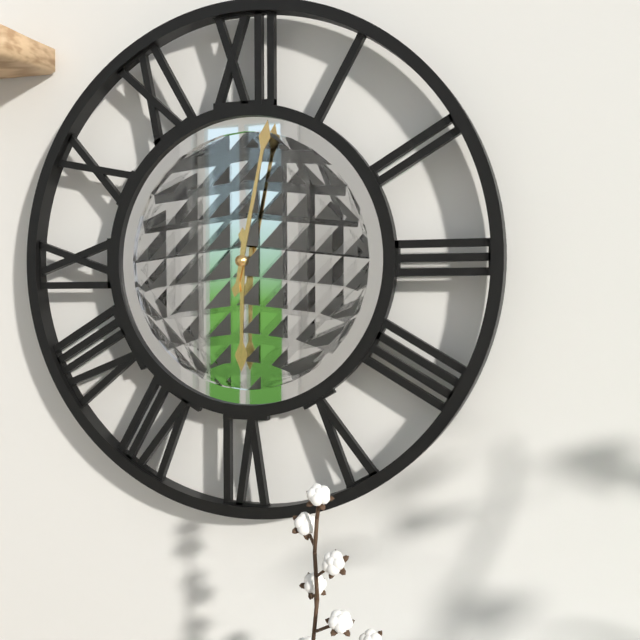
6:02
